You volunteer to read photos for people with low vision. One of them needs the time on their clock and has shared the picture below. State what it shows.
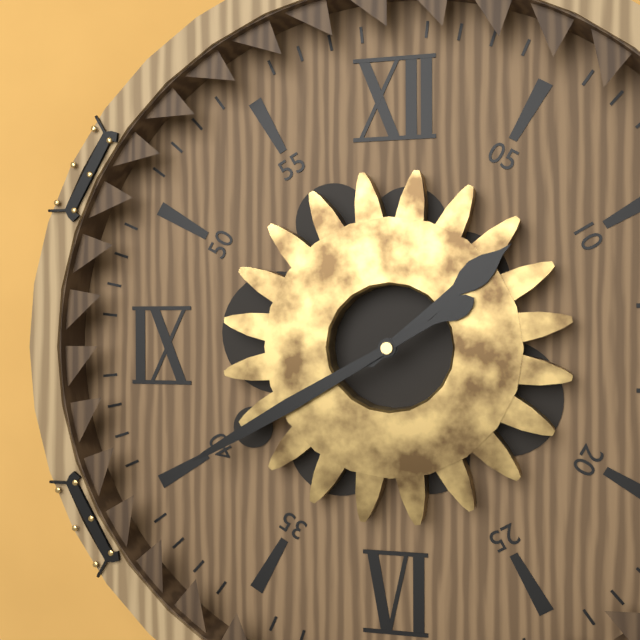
1:40
